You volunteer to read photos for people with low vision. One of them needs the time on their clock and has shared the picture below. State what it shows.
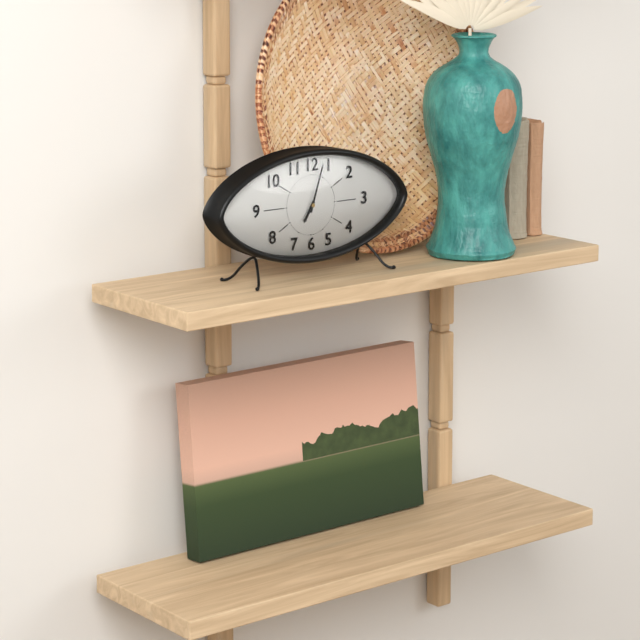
7:03
